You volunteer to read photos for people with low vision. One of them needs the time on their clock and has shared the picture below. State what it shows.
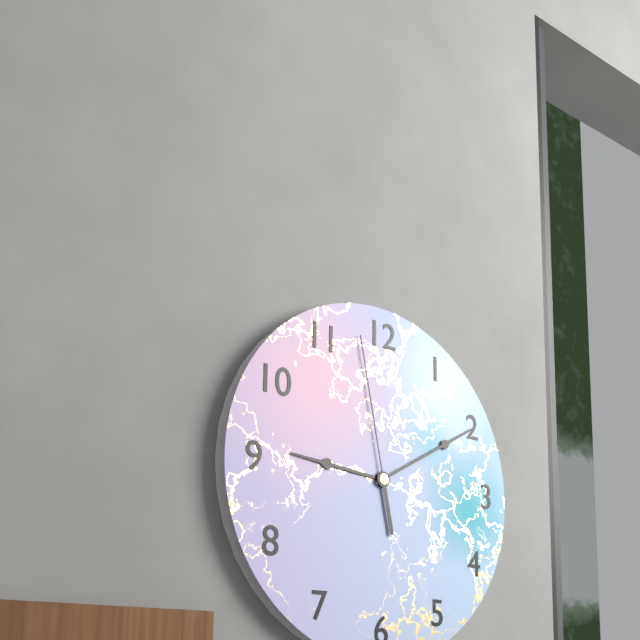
9:10:58
